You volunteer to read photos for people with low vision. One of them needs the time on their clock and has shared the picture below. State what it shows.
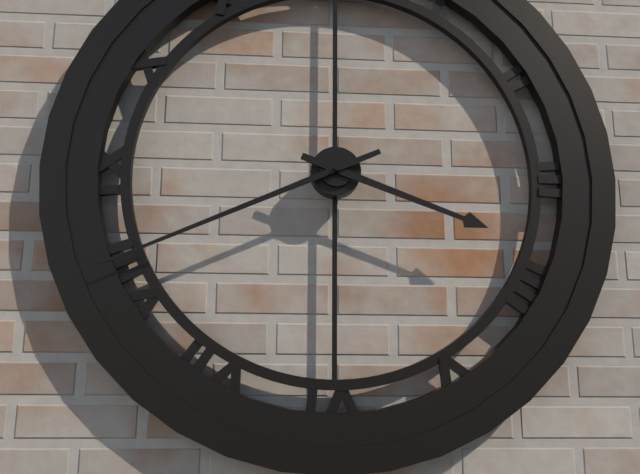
3:41
